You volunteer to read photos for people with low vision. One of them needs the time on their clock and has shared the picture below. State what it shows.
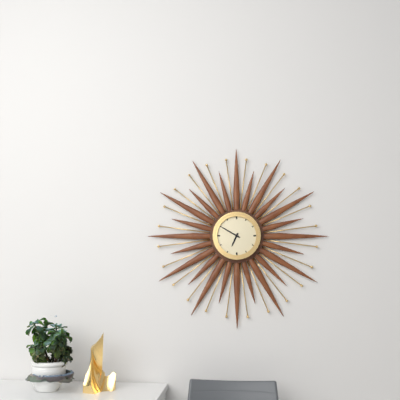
6:50
